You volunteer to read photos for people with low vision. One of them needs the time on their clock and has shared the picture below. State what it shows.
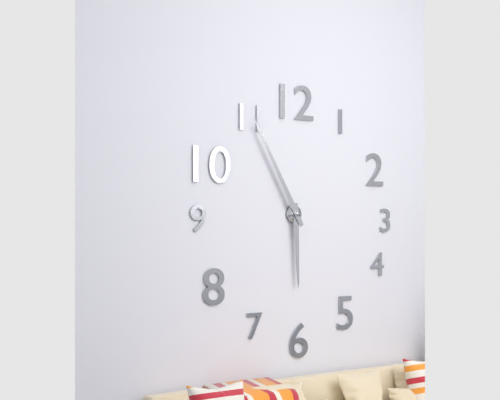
5:55
